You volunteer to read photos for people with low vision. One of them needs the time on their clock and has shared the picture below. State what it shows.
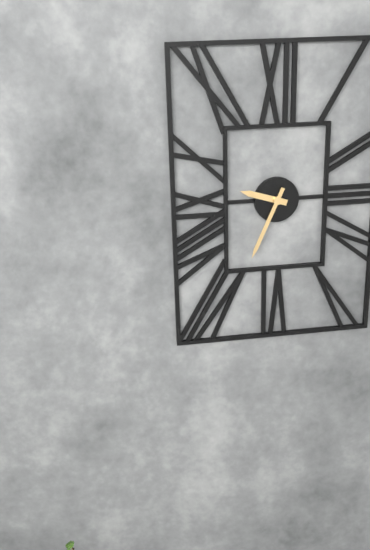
9:34
